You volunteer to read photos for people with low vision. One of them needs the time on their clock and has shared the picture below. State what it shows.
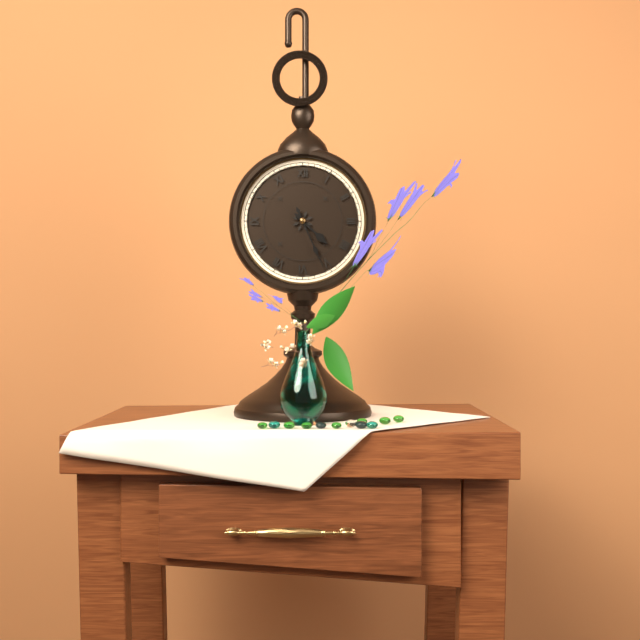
4:26
